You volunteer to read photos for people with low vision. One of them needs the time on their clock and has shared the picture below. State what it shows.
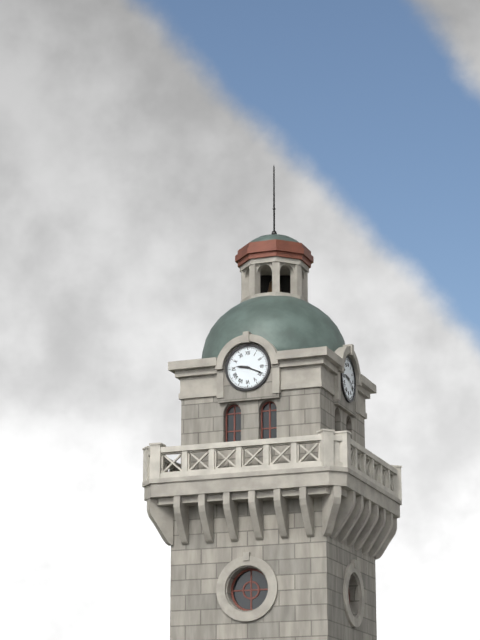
9:19
